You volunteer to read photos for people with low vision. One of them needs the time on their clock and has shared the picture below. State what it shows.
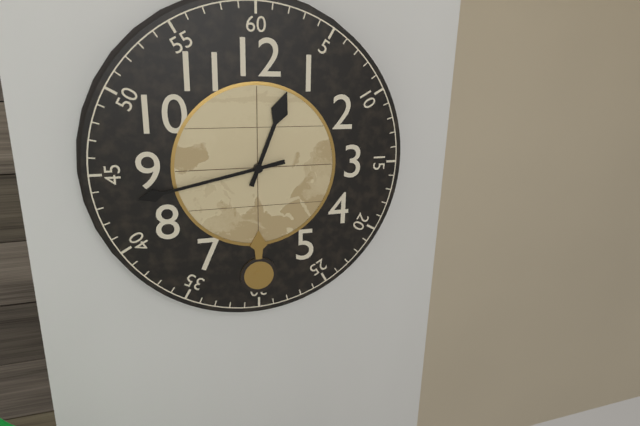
12:43
